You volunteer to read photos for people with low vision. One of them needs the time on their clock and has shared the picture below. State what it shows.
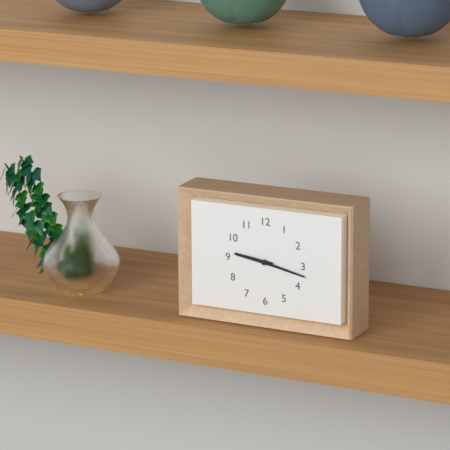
9:17
